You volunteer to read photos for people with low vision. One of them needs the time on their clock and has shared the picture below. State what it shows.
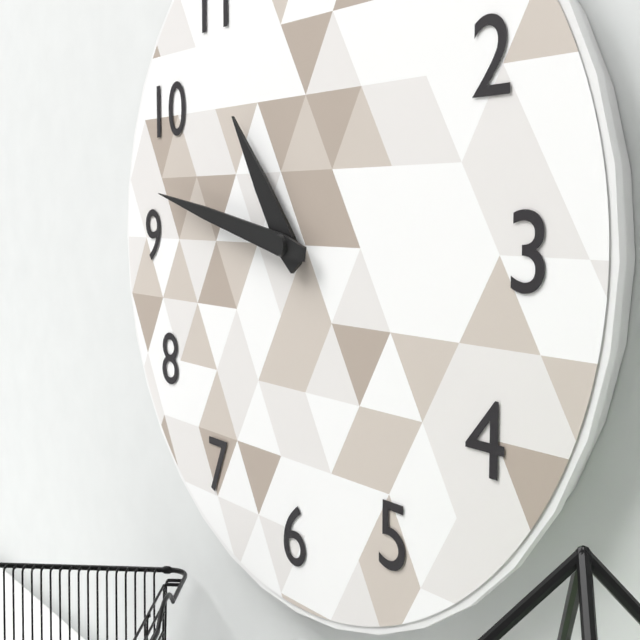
10:47
